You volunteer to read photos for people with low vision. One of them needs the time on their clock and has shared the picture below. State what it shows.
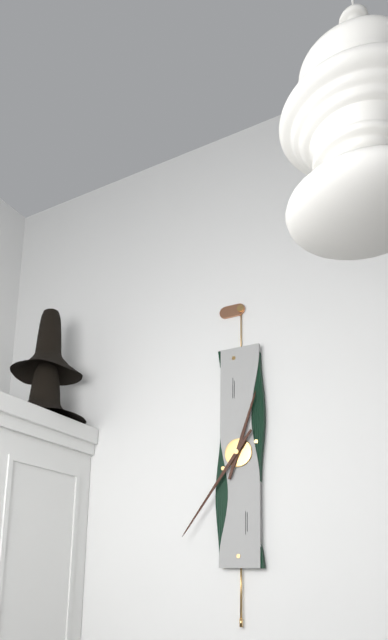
12:36
